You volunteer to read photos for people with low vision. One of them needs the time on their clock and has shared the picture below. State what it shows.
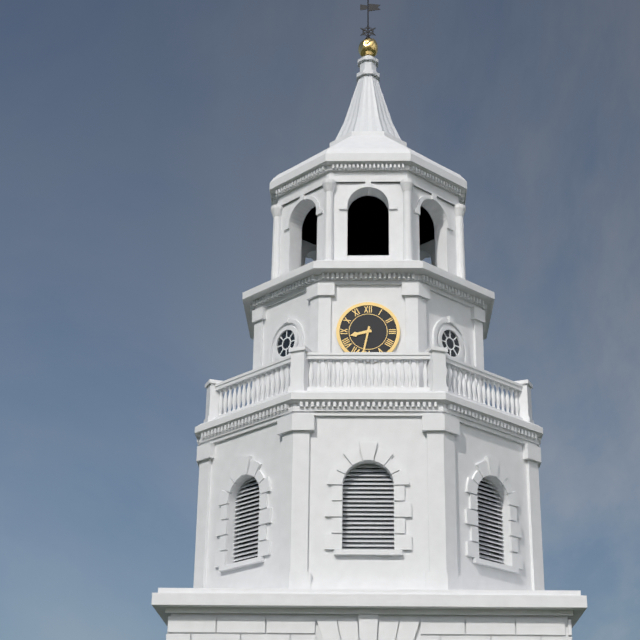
8:32
